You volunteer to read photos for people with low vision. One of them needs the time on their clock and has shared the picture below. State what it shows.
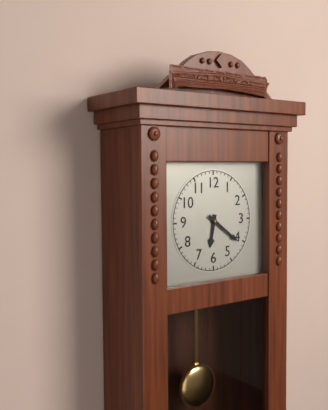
6:21
